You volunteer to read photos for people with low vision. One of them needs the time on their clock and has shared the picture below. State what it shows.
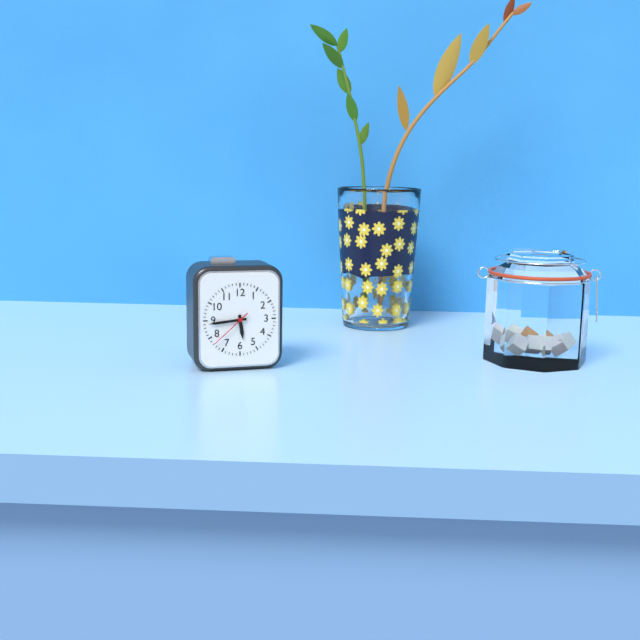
5:44
